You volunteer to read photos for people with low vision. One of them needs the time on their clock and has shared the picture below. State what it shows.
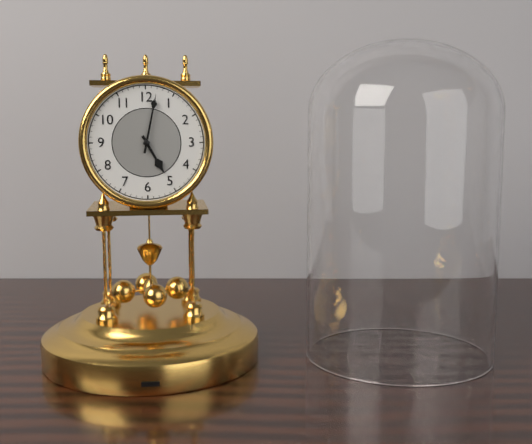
5:02
